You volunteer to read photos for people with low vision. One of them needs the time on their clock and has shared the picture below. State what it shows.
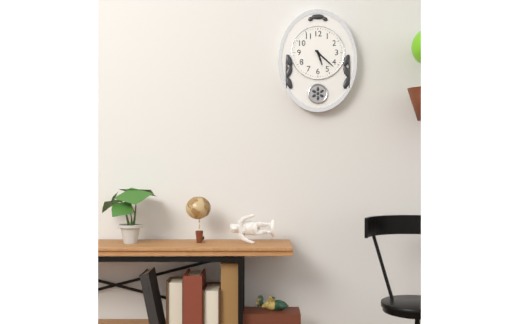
5:22
